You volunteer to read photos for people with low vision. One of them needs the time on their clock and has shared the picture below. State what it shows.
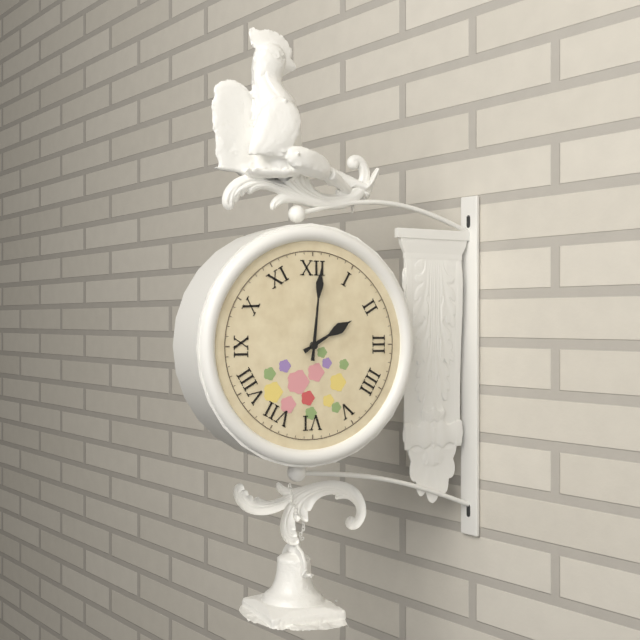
2:01
